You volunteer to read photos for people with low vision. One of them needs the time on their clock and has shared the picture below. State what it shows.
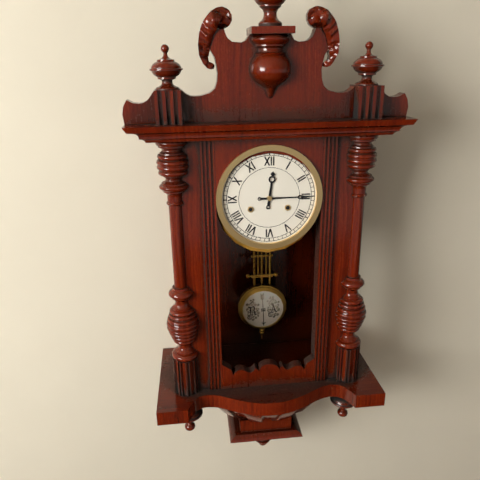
12:15
